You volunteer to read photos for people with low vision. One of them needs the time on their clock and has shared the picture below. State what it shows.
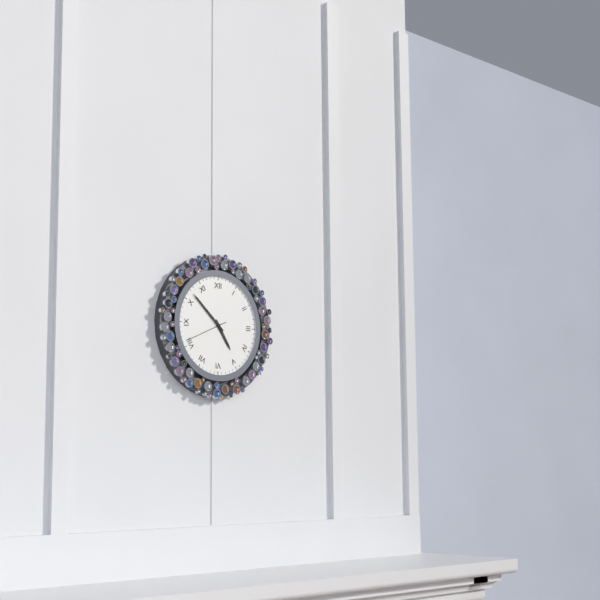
4:52
